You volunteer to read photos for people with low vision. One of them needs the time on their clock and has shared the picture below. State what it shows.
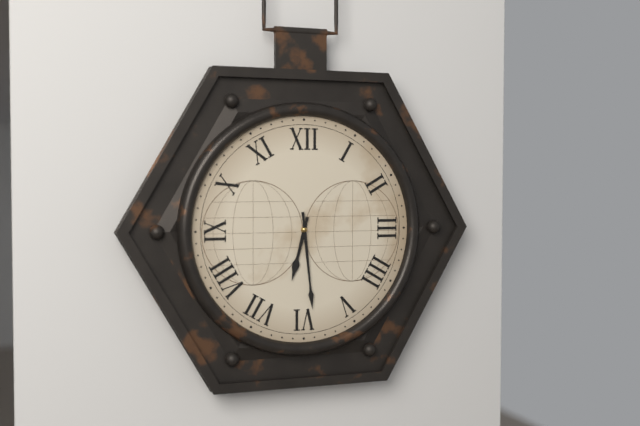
6:29
